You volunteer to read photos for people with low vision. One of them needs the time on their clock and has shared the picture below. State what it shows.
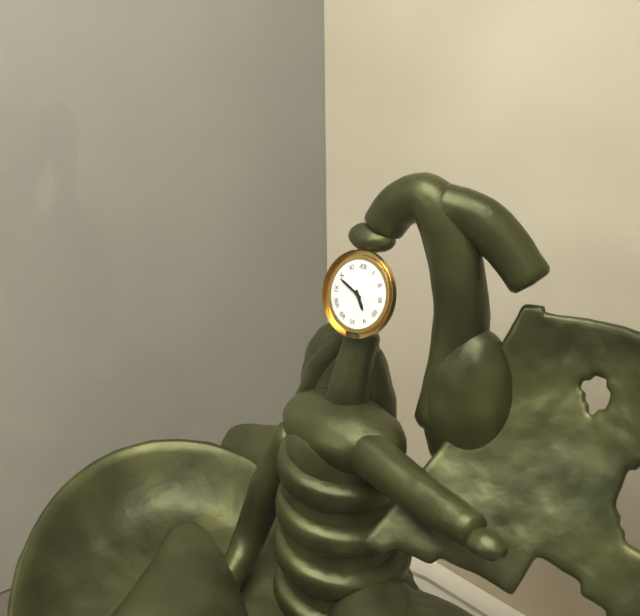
4:49
